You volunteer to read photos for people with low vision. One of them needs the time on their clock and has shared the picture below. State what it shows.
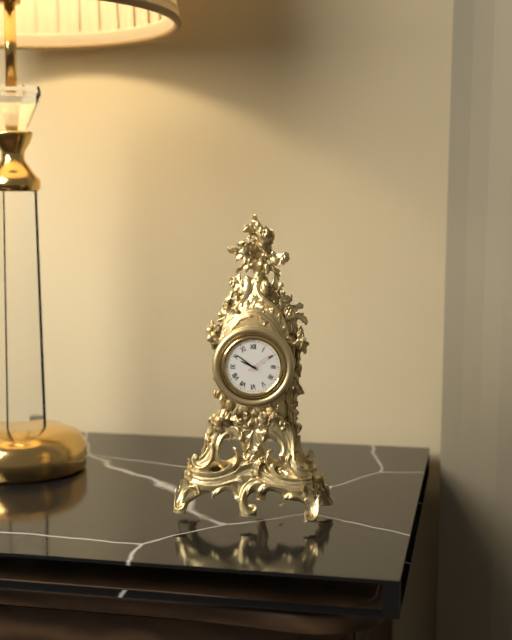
9:51
